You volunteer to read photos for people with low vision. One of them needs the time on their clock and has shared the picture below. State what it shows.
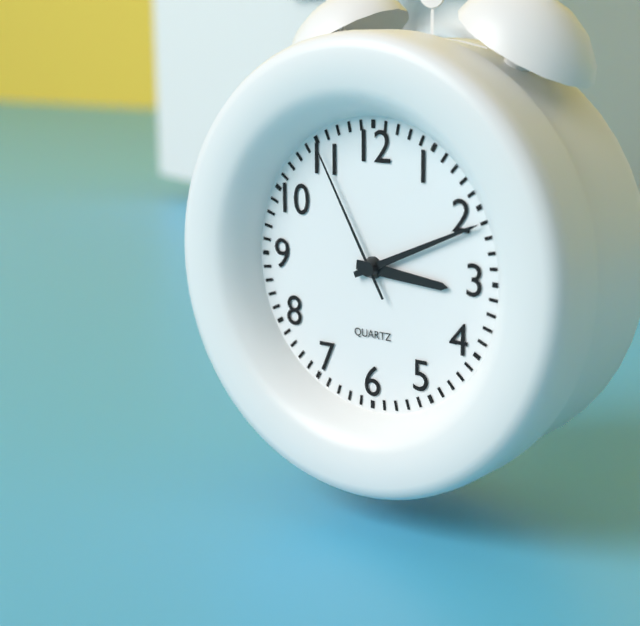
3:11:55
